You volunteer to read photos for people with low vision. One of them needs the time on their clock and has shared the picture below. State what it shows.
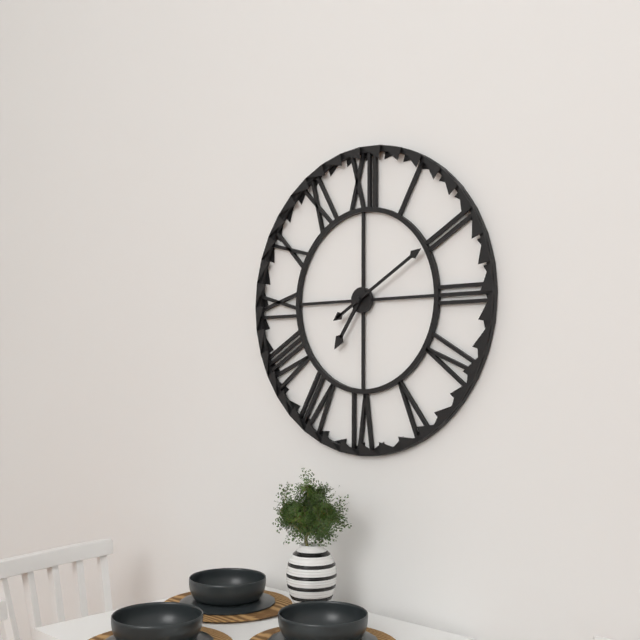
7:10
